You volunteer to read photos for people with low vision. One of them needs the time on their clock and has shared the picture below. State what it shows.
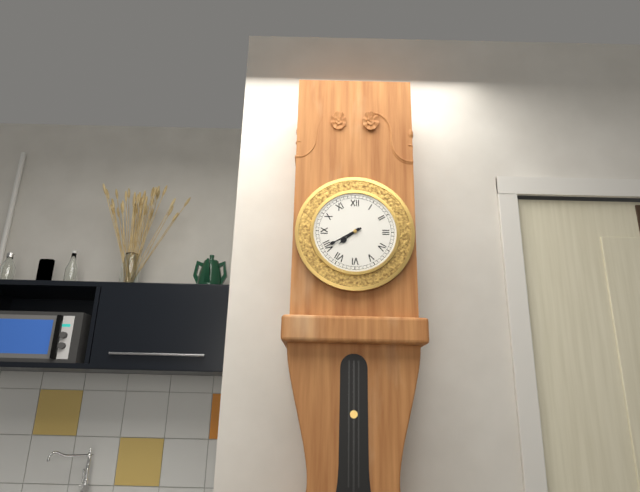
7:40
